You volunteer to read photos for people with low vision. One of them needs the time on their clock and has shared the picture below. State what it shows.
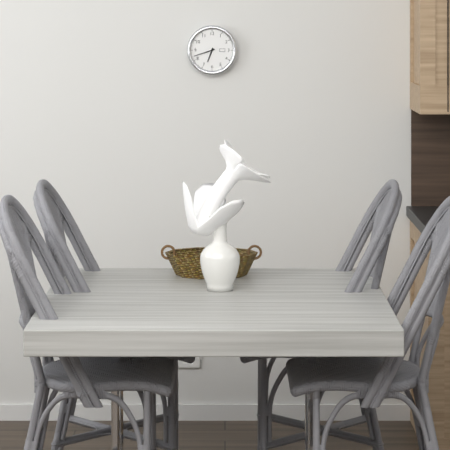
6:42
